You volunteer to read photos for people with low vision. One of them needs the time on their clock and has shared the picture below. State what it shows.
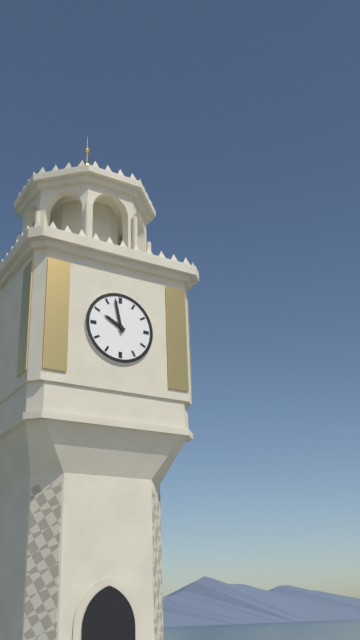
9:58
